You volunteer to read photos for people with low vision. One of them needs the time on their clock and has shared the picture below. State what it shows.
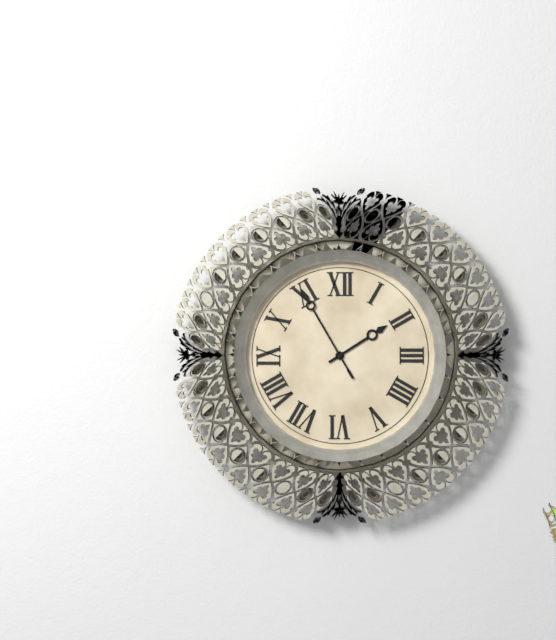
1:55
